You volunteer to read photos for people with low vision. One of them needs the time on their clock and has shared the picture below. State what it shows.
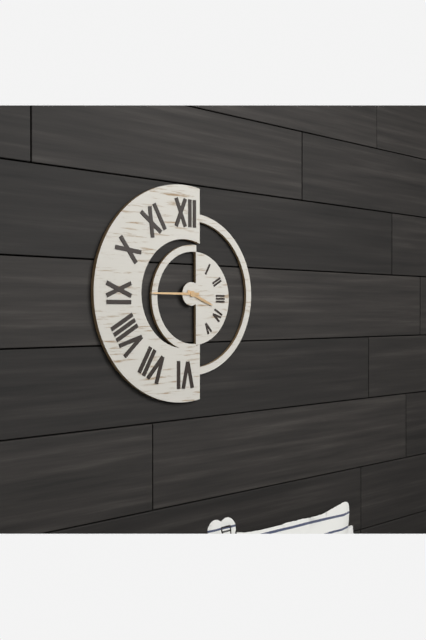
3:45
